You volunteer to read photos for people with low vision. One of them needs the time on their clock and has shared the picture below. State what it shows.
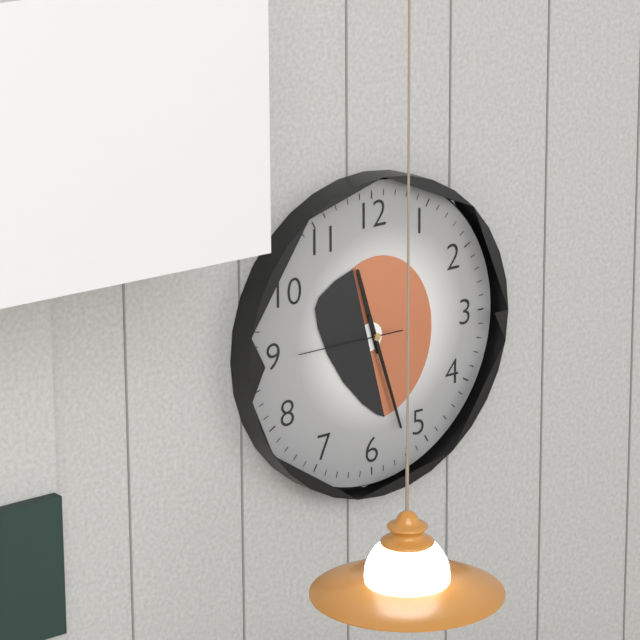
11:27:45
